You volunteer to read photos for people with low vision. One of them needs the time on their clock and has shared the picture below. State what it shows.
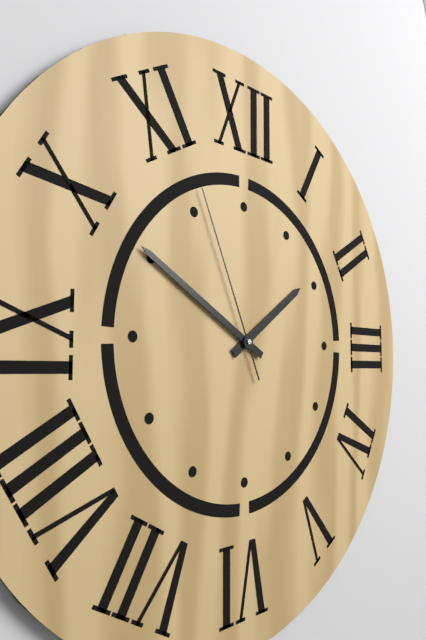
1:50:56
